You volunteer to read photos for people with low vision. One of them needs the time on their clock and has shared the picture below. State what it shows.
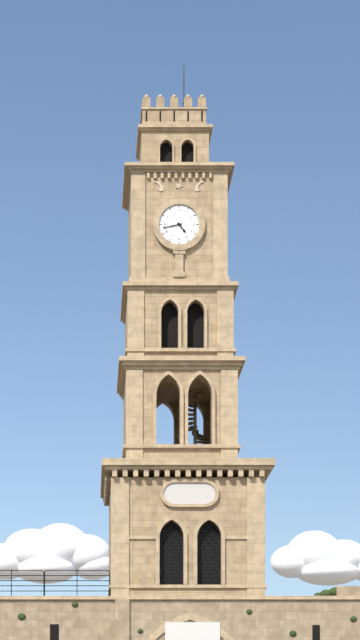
4:43
